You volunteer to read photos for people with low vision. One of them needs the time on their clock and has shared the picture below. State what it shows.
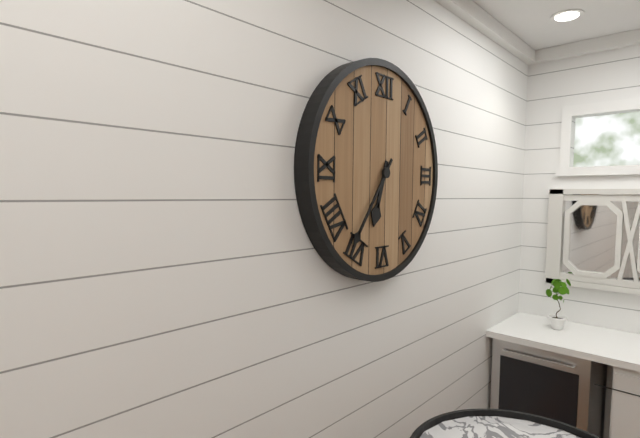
6:36
